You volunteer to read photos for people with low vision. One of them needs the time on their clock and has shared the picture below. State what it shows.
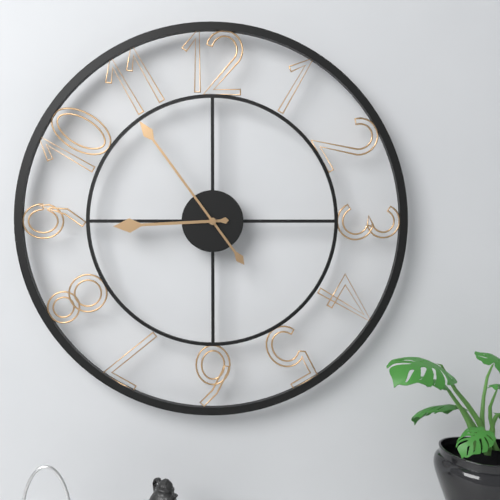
8:54
